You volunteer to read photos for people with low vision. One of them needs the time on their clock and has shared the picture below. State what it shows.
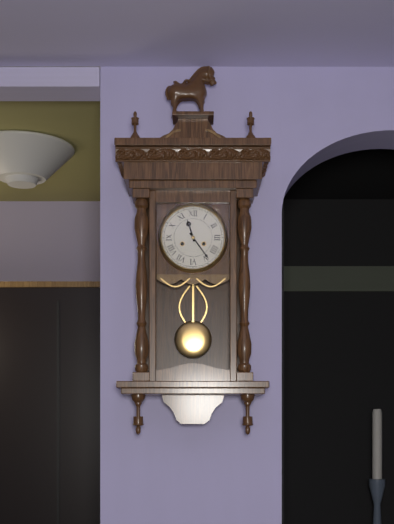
11:24
